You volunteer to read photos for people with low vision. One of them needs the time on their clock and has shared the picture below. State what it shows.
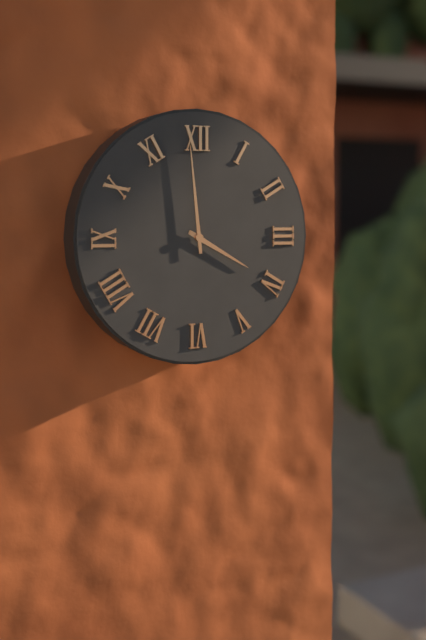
3:59
